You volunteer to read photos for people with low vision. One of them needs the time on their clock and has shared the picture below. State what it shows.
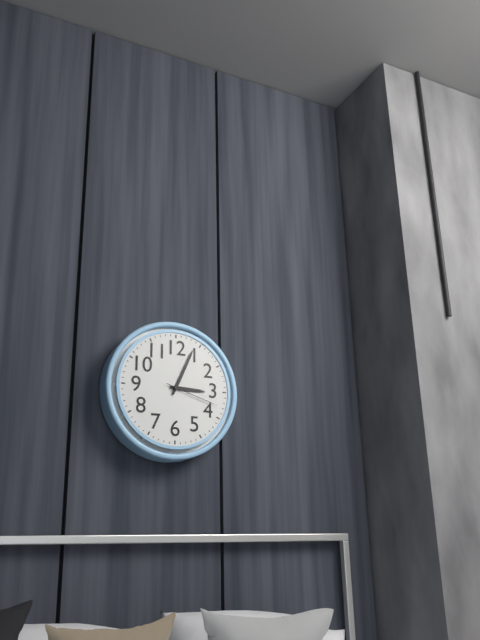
3:04:18
